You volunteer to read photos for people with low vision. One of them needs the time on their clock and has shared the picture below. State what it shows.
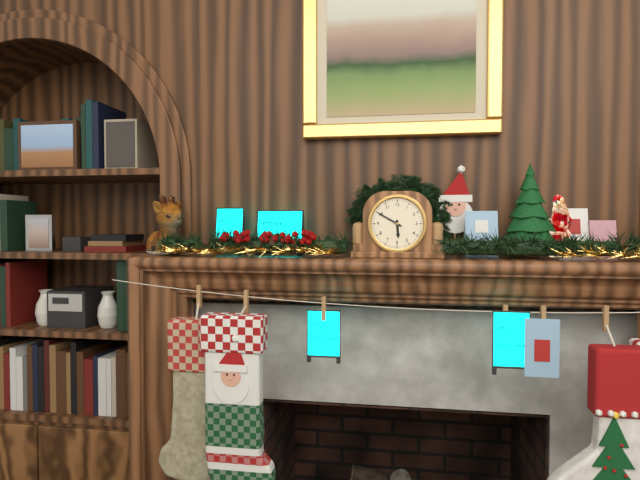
5:50
